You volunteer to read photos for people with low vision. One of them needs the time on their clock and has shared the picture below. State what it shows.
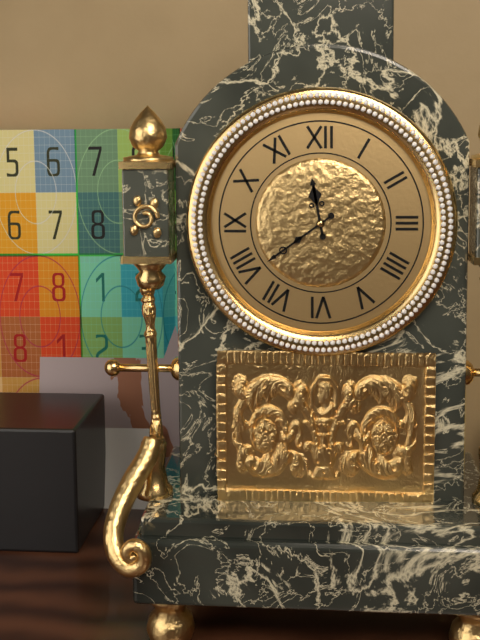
11:39
